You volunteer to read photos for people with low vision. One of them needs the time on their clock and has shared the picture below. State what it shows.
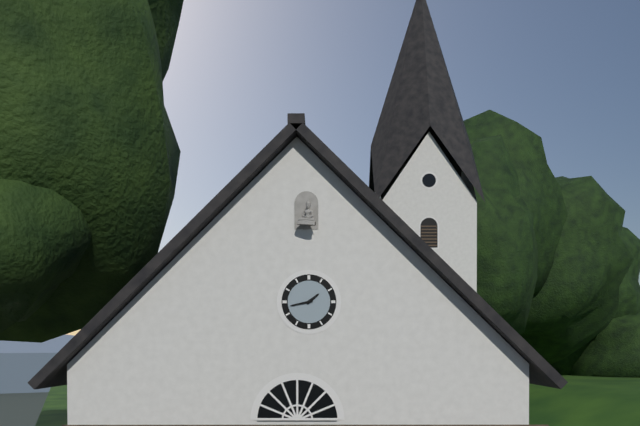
1:43
